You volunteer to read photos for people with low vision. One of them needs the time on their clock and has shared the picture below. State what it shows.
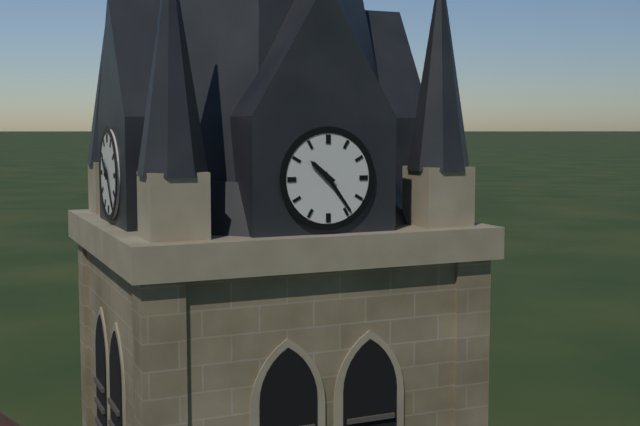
10:24
